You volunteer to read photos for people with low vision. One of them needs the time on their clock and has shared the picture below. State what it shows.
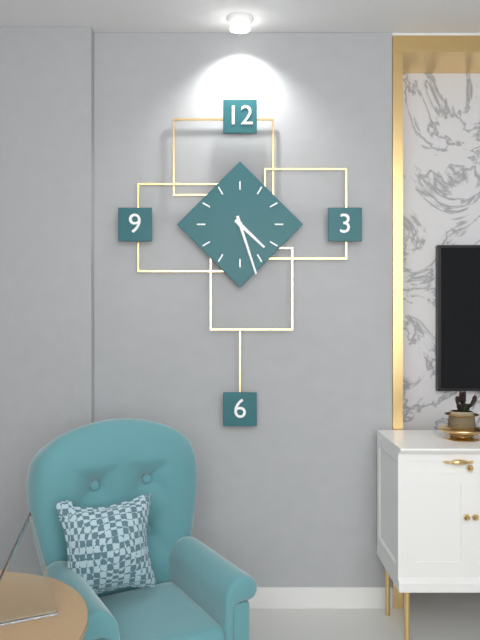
4:27
